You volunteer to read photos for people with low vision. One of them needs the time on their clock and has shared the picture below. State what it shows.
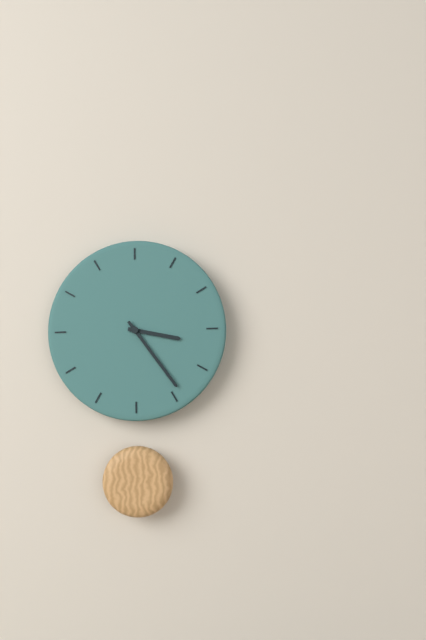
3:24
